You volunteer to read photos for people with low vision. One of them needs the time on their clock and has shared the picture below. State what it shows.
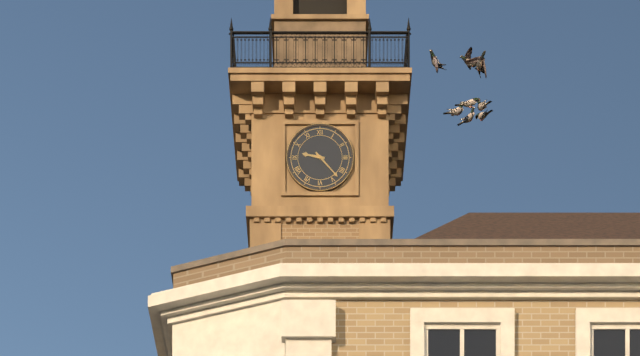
9:23
